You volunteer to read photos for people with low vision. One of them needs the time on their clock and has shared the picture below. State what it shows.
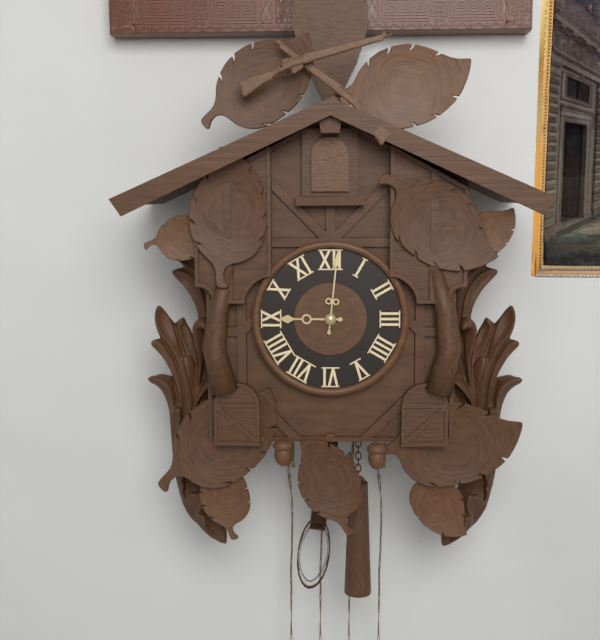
9:01
